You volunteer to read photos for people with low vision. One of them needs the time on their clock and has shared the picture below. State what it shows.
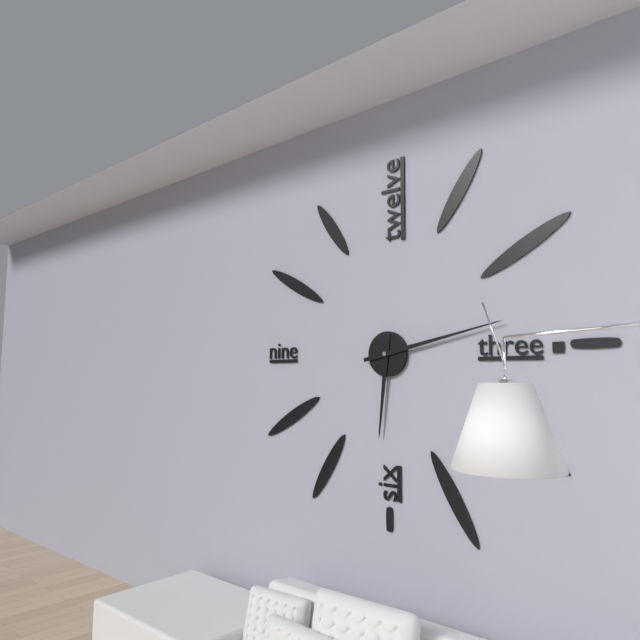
6:13
